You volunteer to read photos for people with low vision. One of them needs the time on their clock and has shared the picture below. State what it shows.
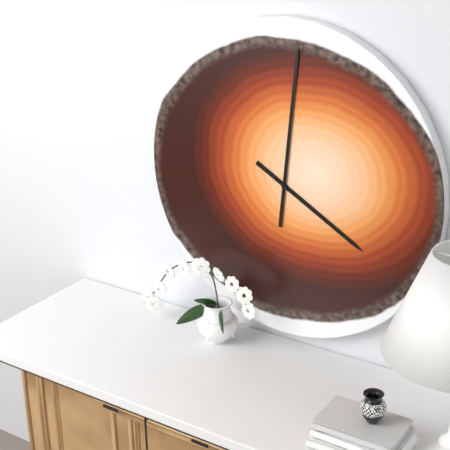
4:01
